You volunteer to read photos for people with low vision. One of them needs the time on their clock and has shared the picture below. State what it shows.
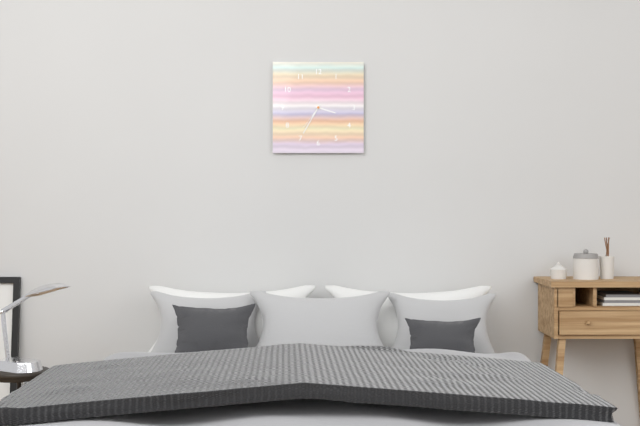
3:35
